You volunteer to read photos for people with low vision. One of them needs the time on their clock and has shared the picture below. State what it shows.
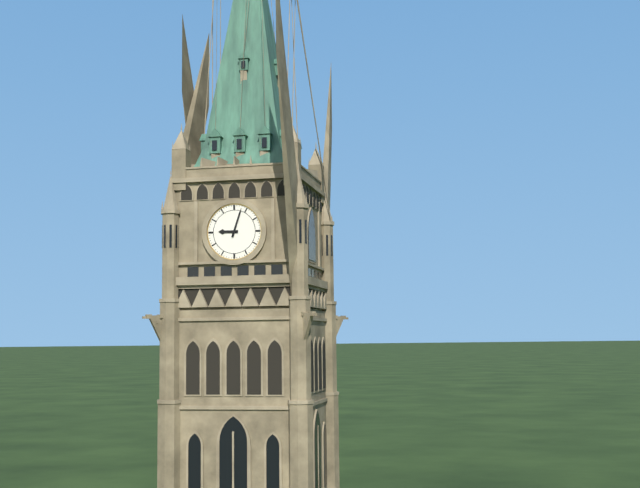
9:03
